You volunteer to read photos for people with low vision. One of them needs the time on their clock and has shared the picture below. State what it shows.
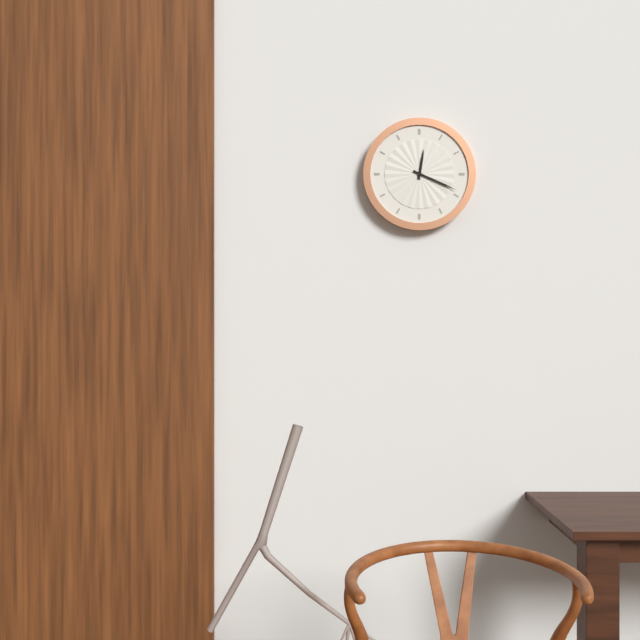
12:19
